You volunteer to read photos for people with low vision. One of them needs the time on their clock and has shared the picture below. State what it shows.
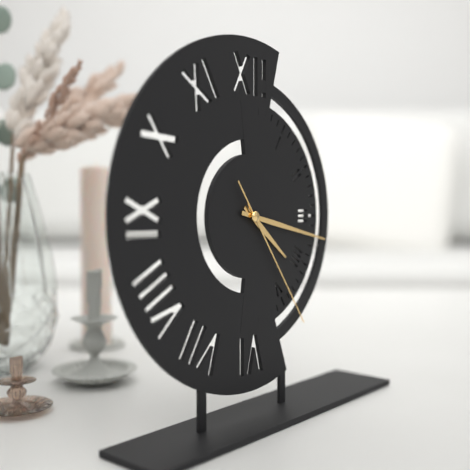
4:17:24
